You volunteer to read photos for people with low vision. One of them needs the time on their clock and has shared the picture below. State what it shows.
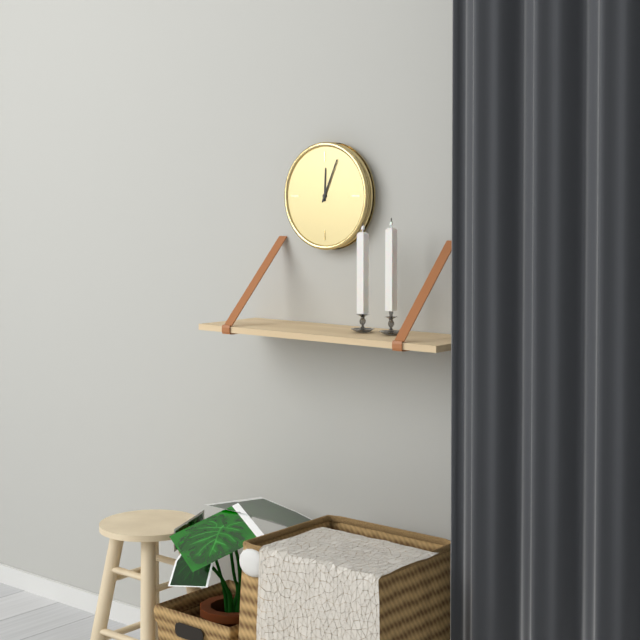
12:04
